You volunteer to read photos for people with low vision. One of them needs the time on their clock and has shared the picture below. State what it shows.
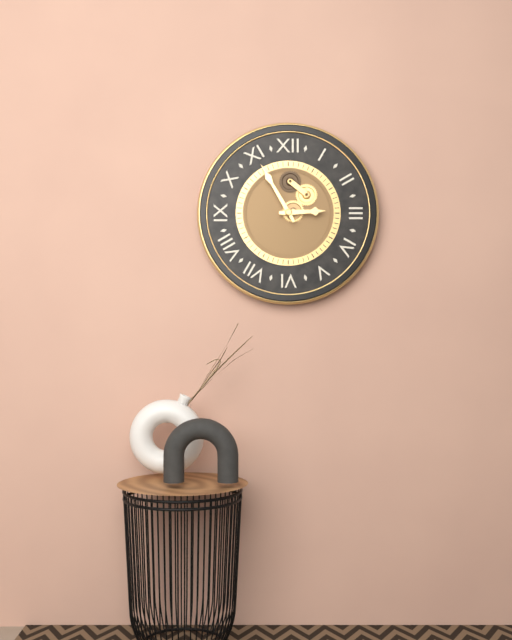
2:55
